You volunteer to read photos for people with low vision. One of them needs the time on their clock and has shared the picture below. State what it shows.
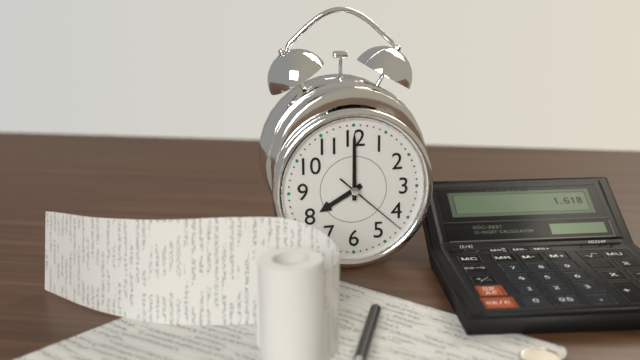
8:00:22
